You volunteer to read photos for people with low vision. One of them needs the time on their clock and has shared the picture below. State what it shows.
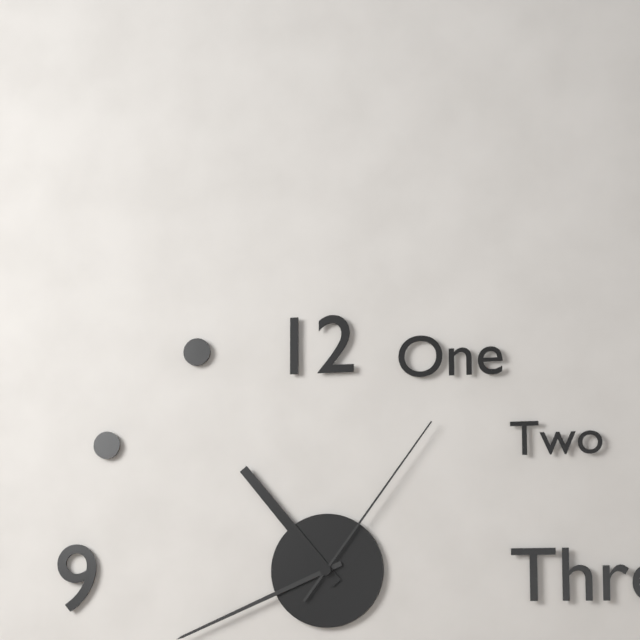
10:41:06
